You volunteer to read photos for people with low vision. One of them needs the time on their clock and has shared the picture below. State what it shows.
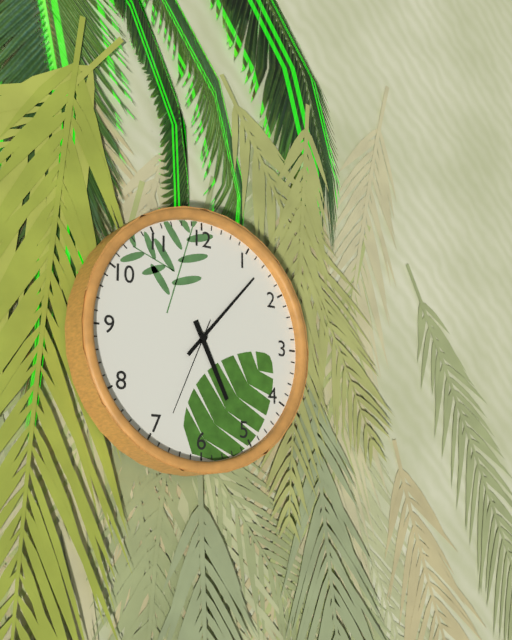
5:07:34
